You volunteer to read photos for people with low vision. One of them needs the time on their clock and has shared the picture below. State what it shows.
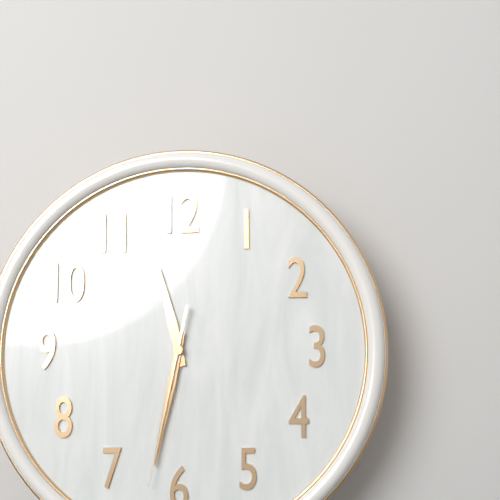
11:32:32
